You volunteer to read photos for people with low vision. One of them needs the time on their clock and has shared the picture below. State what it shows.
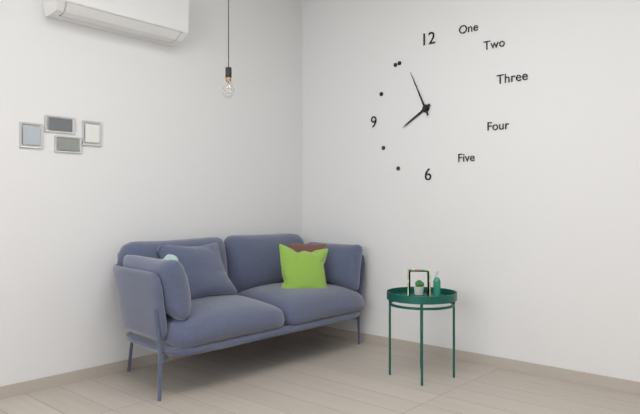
7:56
